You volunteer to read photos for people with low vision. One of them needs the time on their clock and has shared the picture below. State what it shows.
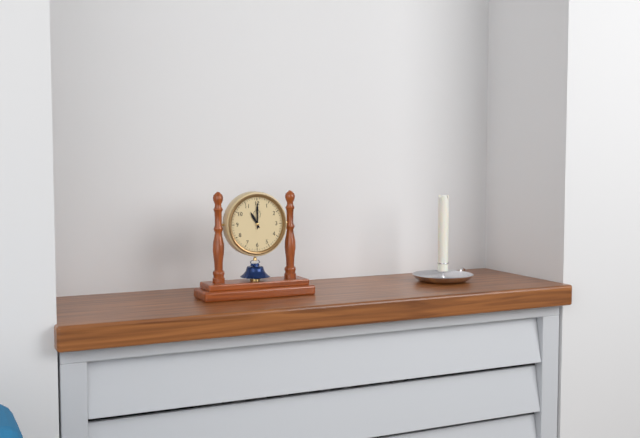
11:00
